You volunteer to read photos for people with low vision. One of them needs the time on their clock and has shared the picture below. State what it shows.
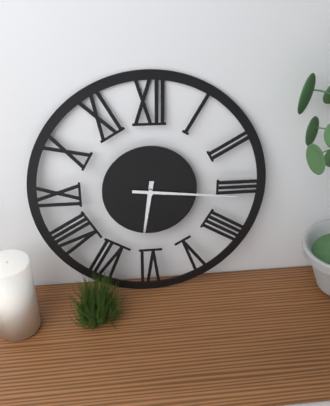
6:16
